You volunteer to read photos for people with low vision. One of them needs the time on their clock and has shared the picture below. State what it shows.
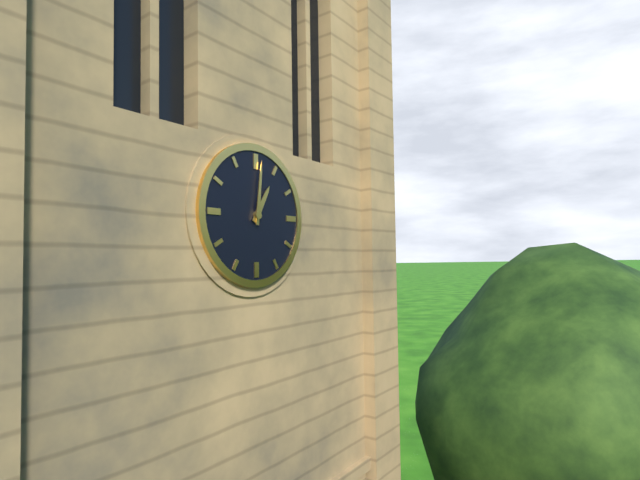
1:01
